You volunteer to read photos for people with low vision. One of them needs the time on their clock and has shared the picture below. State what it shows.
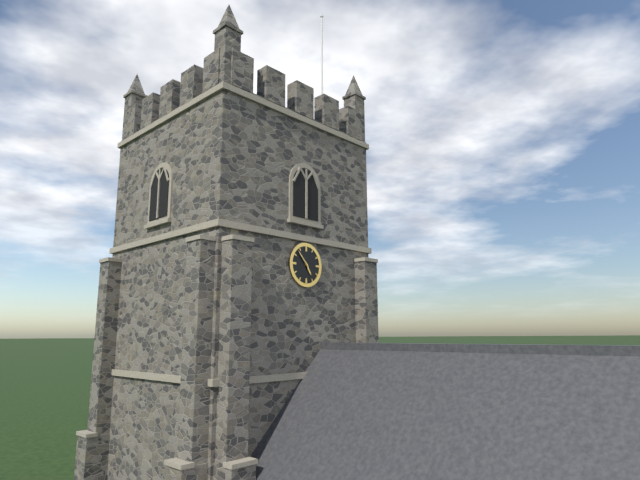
4:53
